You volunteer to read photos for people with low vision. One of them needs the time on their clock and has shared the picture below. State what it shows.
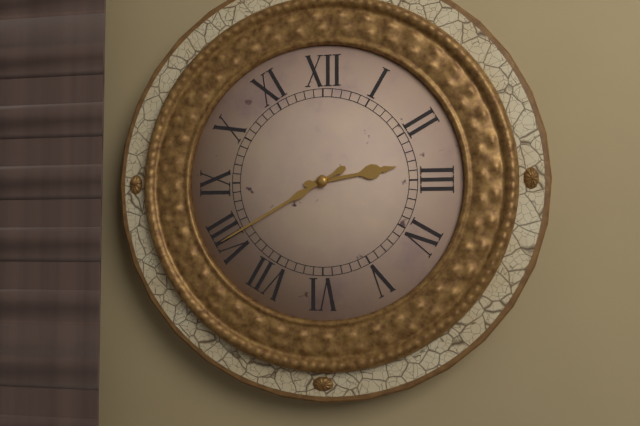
2:40
